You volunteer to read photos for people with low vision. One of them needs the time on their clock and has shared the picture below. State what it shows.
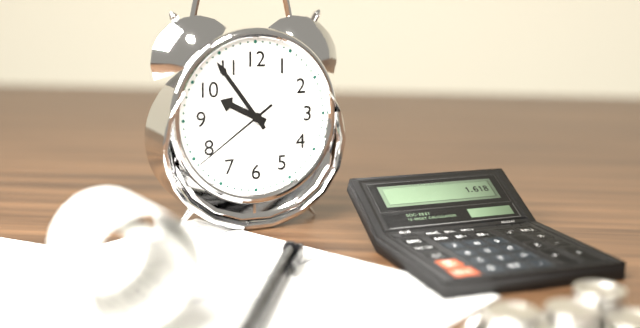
9:54:39
